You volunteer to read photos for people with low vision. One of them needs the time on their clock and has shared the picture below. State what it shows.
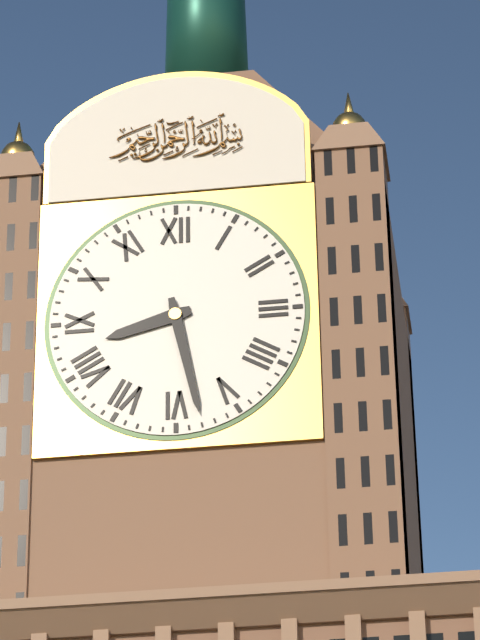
8:28
